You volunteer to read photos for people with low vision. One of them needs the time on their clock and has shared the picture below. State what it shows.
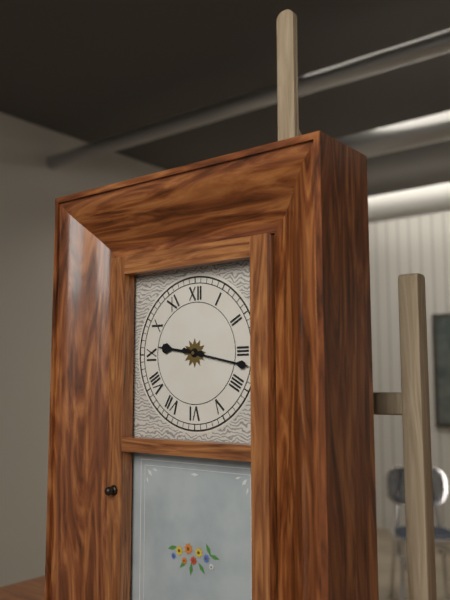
9:17
